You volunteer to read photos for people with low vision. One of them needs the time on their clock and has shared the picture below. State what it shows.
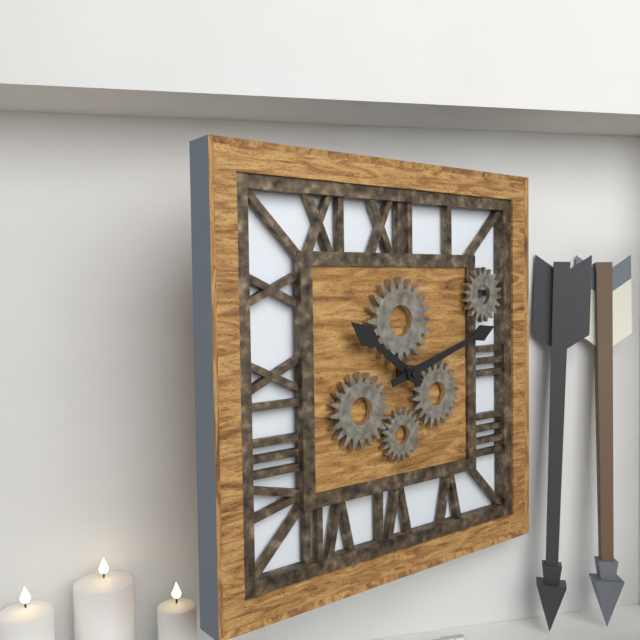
10:12
